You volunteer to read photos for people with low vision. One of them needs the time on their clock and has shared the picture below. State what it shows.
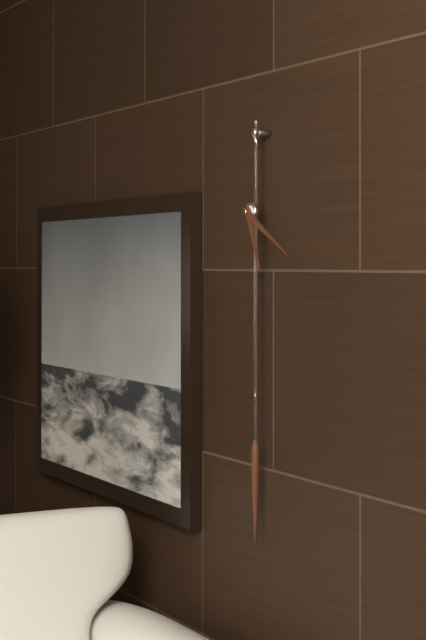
5:20
